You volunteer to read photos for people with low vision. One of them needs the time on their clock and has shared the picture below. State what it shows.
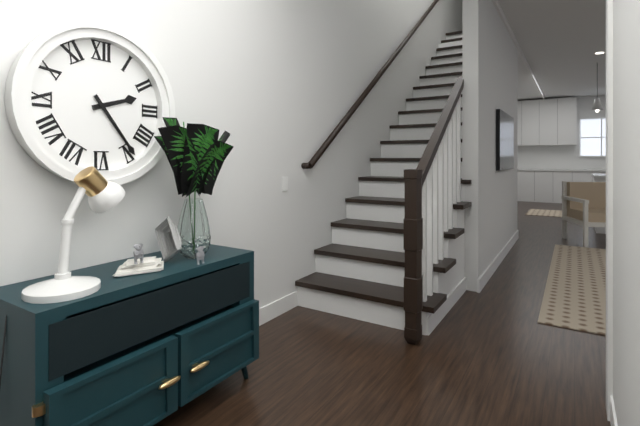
2:24
